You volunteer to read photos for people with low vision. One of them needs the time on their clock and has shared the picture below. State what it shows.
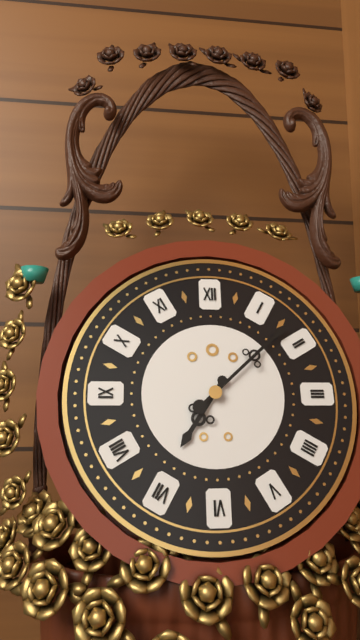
7:08
